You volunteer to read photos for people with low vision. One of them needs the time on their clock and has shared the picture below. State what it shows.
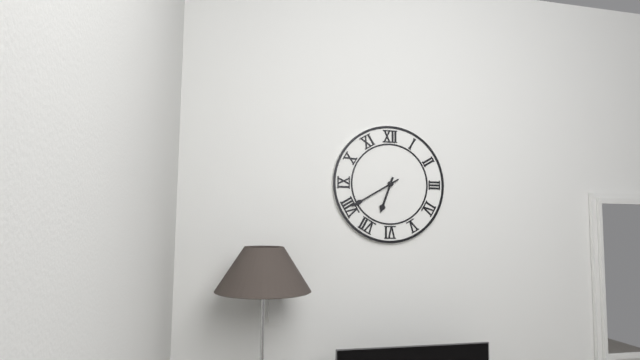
6:40
